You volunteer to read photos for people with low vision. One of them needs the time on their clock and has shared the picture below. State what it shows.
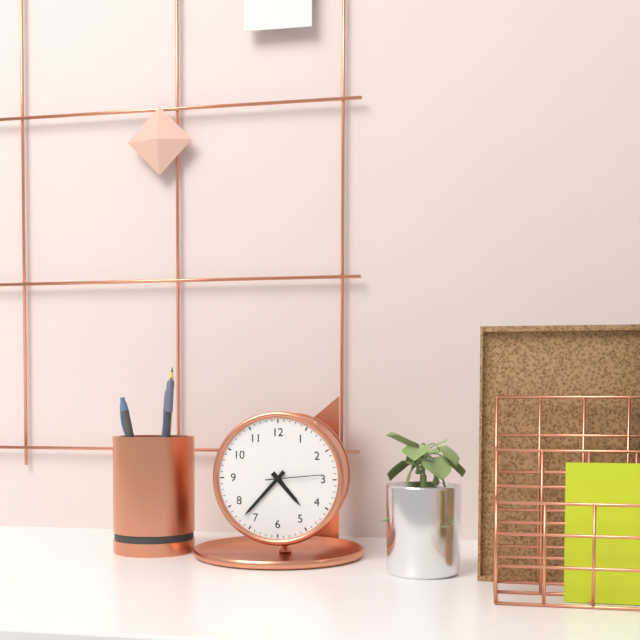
4:37:14
